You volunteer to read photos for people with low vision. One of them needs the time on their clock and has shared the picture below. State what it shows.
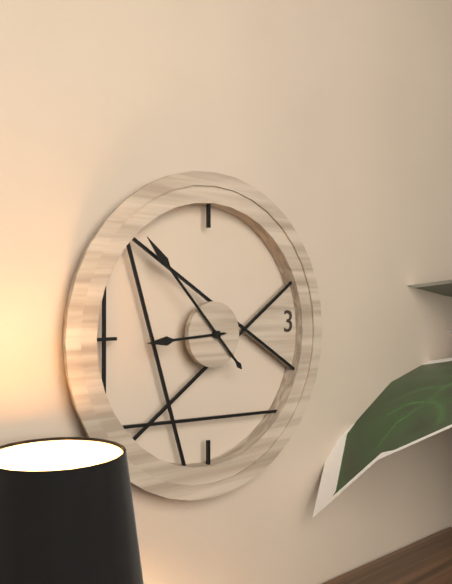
8:53
